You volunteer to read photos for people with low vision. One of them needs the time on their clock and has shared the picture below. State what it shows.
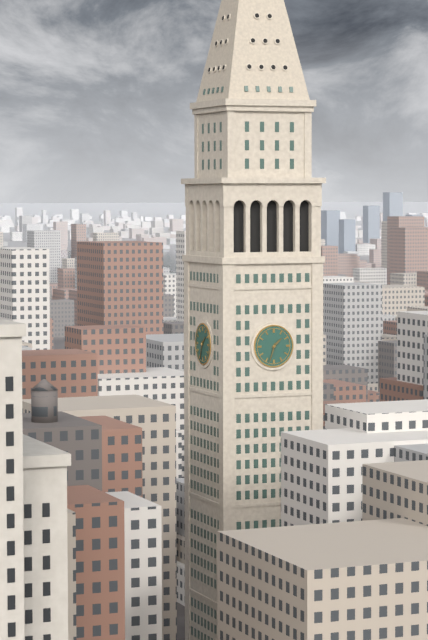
1:33
